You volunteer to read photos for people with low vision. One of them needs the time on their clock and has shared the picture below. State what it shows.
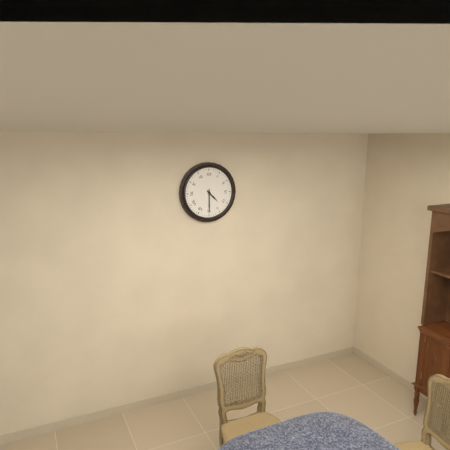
4:30
